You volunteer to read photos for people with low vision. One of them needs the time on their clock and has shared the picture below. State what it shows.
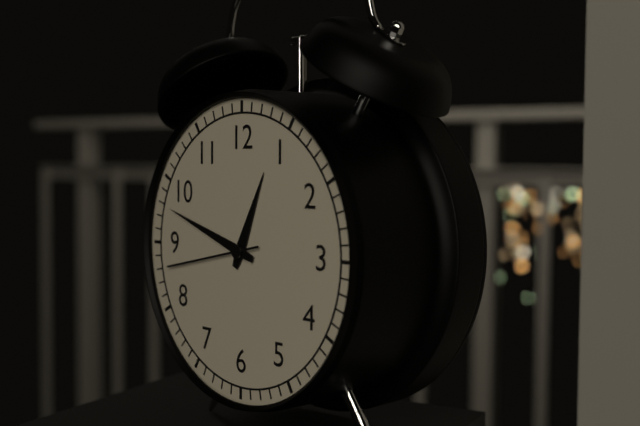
12:48:43
